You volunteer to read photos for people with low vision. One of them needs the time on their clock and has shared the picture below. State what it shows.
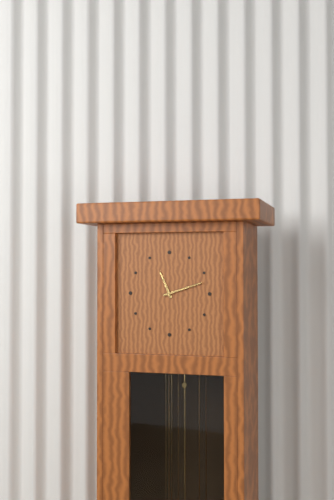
11:12
